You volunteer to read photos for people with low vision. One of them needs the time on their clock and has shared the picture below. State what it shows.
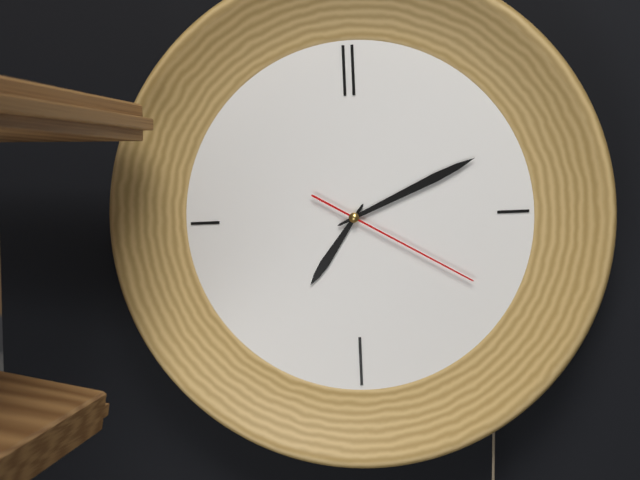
7:11:20
